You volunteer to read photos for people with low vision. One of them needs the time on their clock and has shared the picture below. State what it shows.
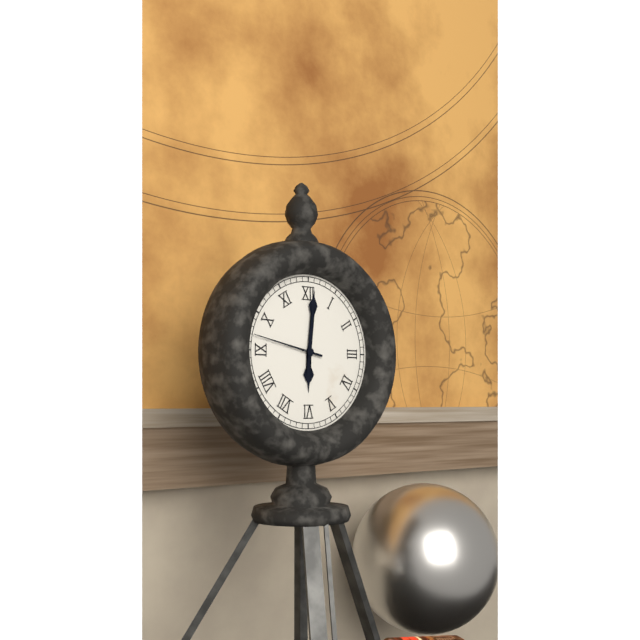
6:01:47
